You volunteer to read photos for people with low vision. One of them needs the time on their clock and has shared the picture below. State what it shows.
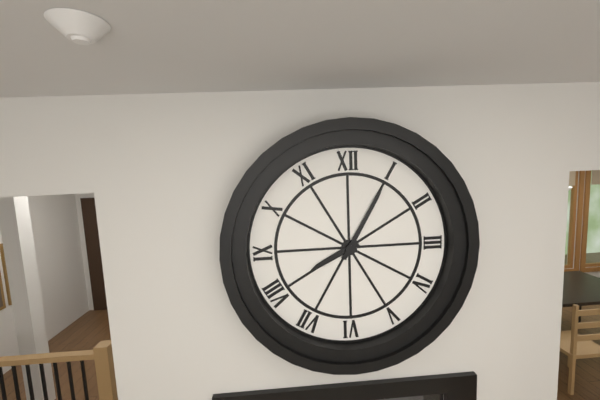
8:05
